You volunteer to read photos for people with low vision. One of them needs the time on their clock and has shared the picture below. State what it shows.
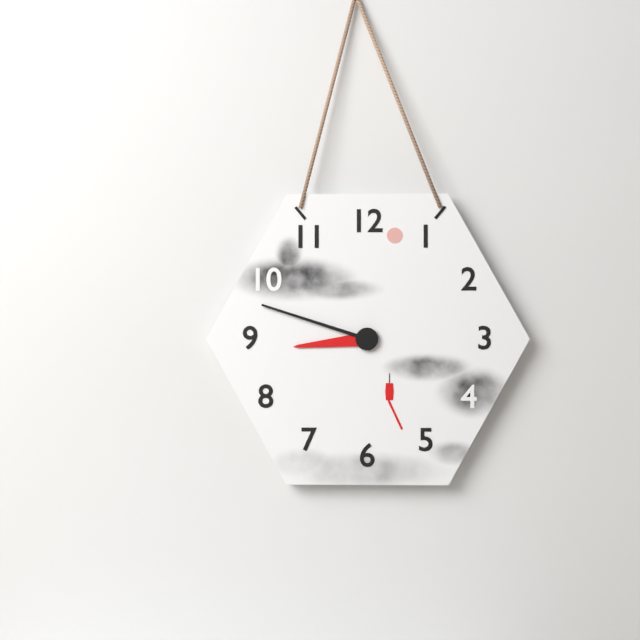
8:48
